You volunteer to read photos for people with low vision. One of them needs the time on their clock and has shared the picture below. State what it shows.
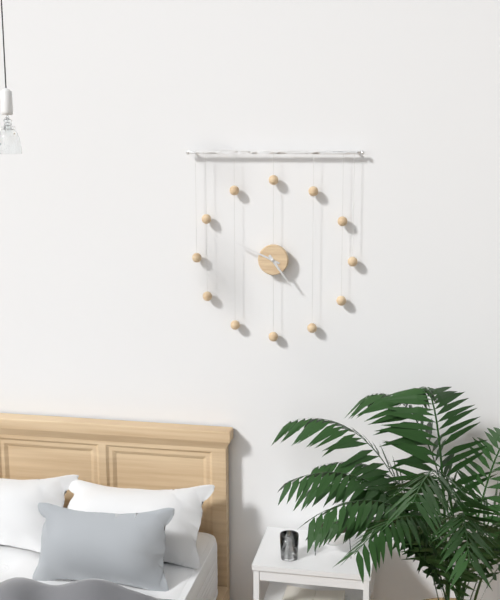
4:49
